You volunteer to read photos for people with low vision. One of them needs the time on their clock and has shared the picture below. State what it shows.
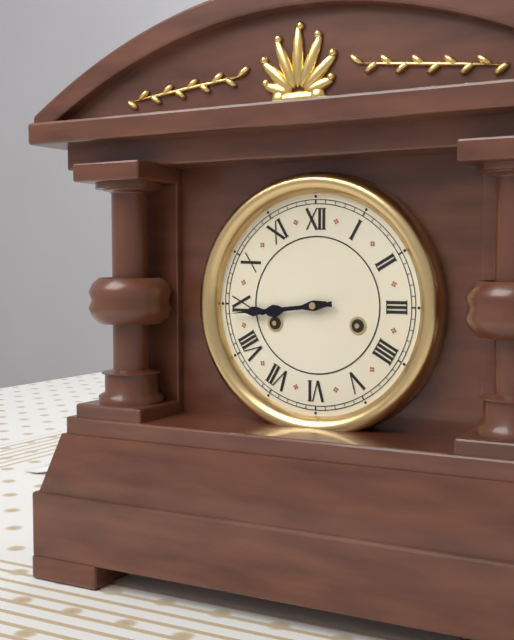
8:44
